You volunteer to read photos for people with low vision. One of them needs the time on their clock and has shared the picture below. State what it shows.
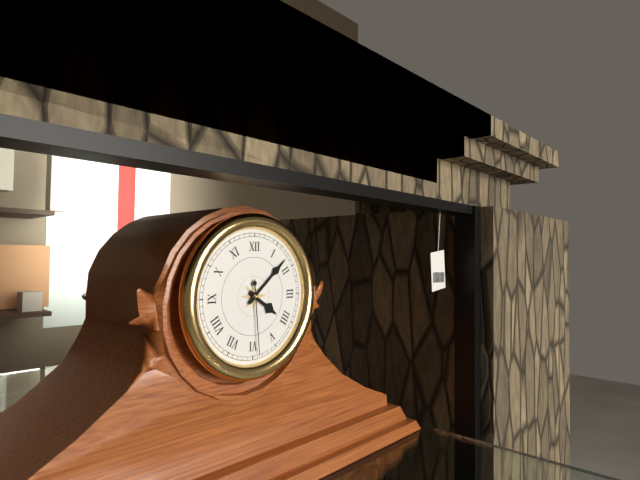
4:08:29
